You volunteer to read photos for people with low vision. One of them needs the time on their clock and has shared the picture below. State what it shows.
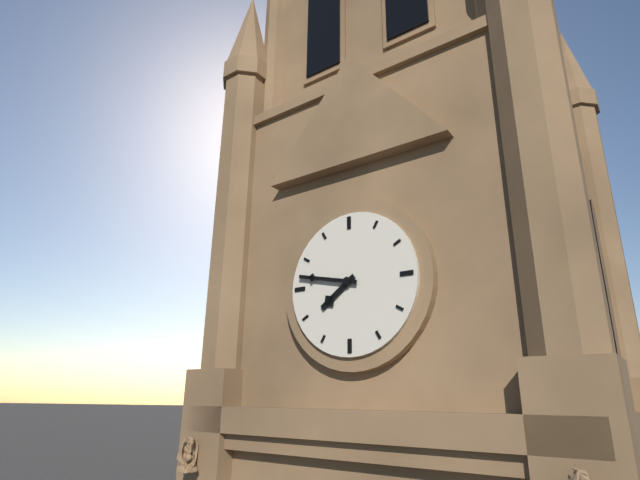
7:47
